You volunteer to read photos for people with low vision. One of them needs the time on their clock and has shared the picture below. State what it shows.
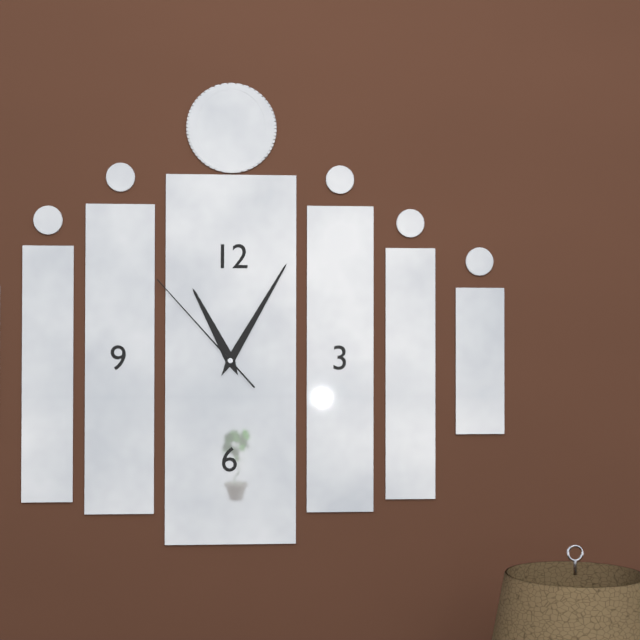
11:05:53
